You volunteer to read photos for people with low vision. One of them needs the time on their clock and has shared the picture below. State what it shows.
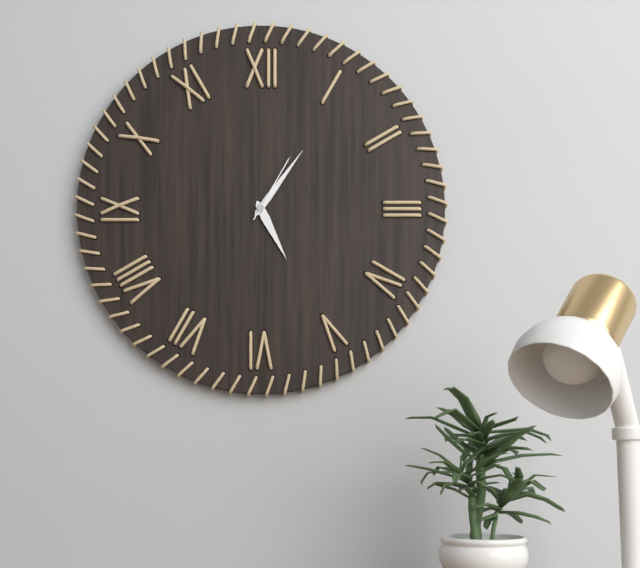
5:06:05
